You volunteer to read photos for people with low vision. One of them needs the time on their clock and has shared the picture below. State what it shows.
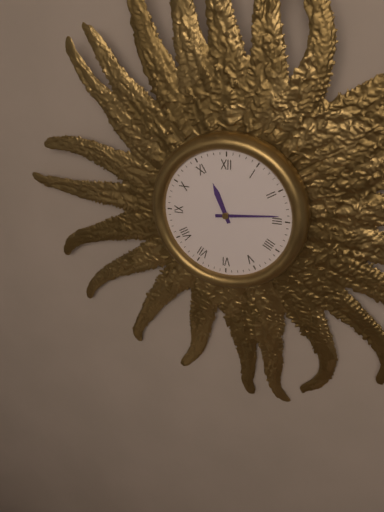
11:14
